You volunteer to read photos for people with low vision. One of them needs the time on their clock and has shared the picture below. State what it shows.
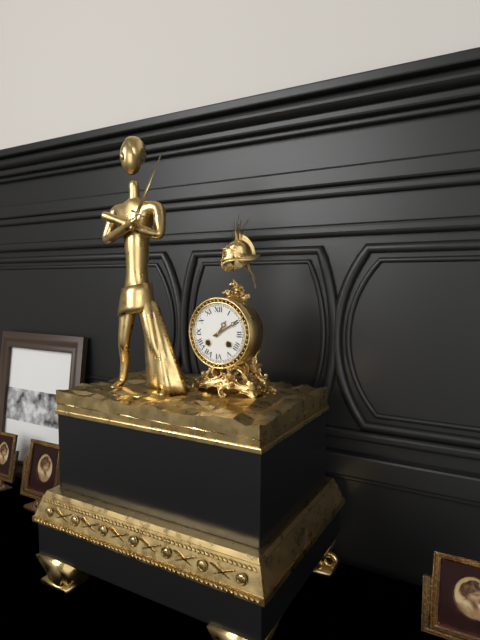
1:10
